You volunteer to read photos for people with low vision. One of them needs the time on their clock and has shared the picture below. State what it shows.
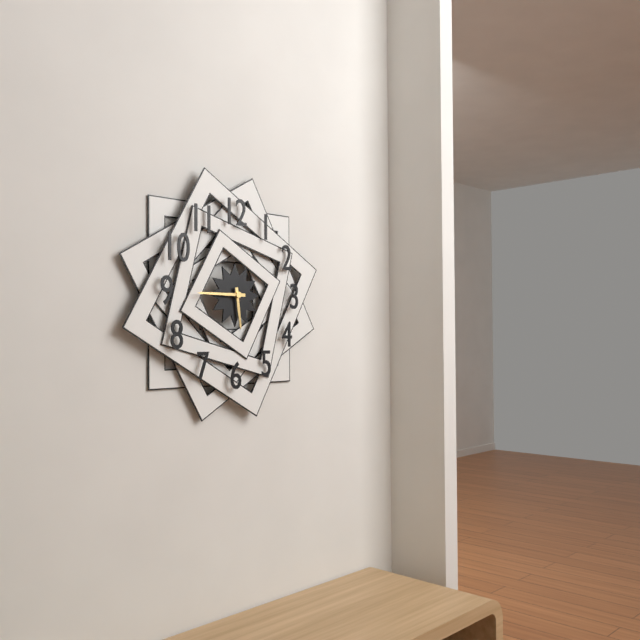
5:45
